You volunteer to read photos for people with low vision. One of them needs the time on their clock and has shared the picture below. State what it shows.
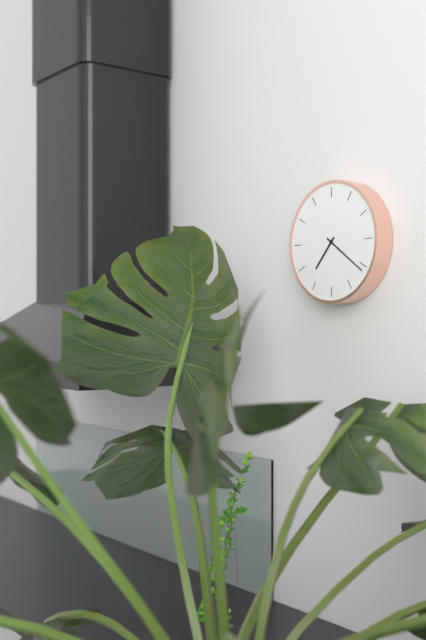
7:21
